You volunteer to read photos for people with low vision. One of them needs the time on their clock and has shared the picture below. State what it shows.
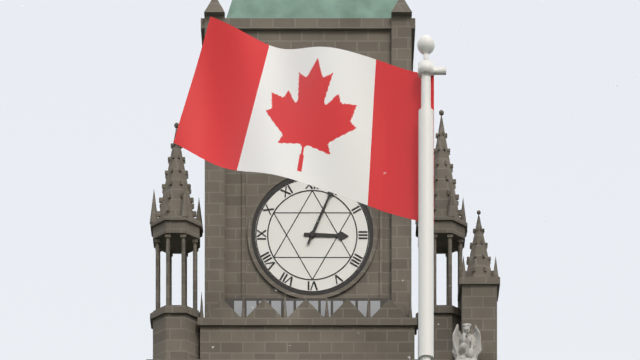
3:04
